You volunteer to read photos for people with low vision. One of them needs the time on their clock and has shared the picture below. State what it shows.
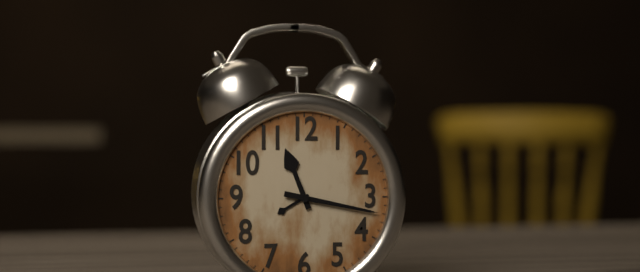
11:17
